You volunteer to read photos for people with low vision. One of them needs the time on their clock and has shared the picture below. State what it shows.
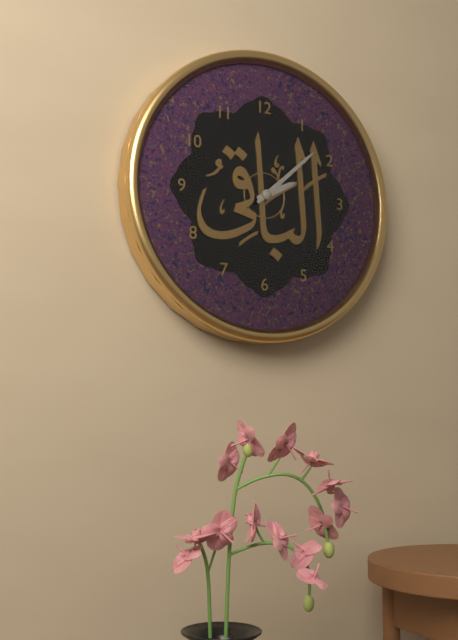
2:08
